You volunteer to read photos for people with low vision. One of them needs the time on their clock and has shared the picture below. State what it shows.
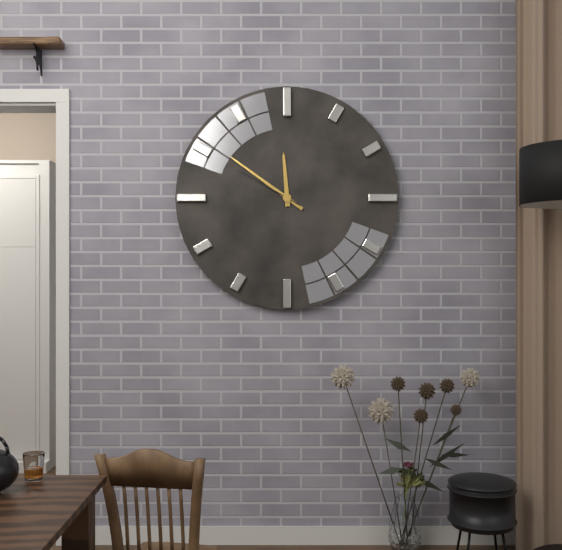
11:51:50
